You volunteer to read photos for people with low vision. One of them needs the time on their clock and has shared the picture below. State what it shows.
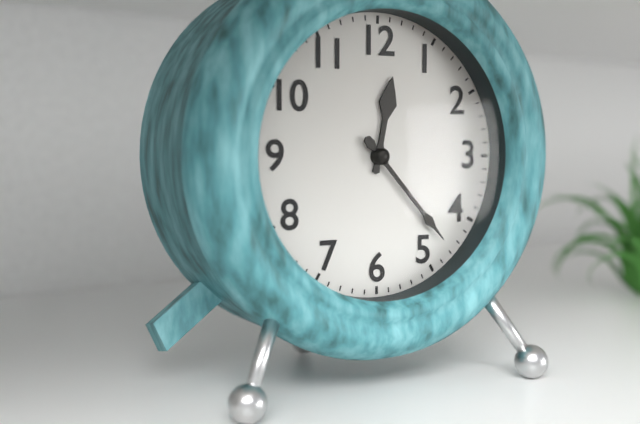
12:23
